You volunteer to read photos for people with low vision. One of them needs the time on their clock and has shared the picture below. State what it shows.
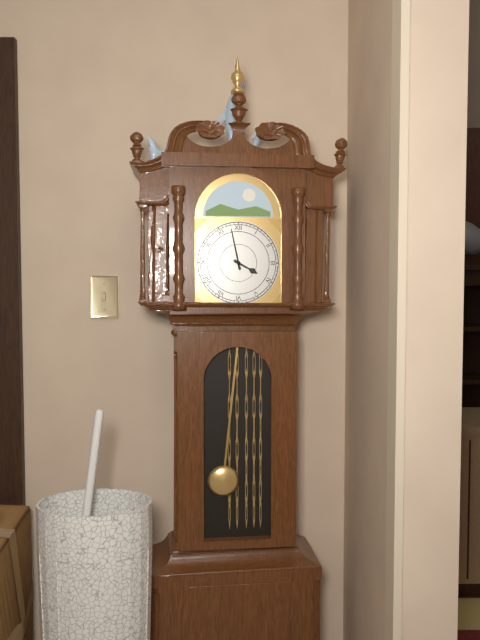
3:58
